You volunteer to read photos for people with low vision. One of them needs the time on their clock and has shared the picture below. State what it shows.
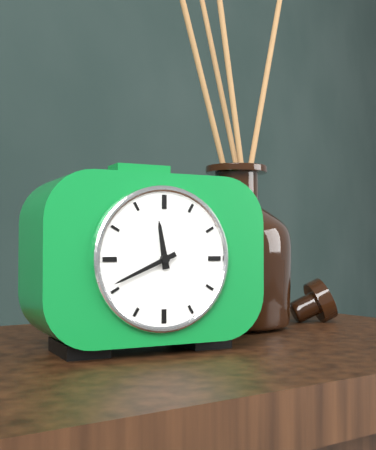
11:41
